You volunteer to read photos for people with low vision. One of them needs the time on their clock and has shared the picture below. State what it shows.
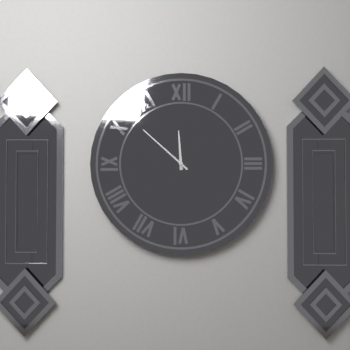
11:52
